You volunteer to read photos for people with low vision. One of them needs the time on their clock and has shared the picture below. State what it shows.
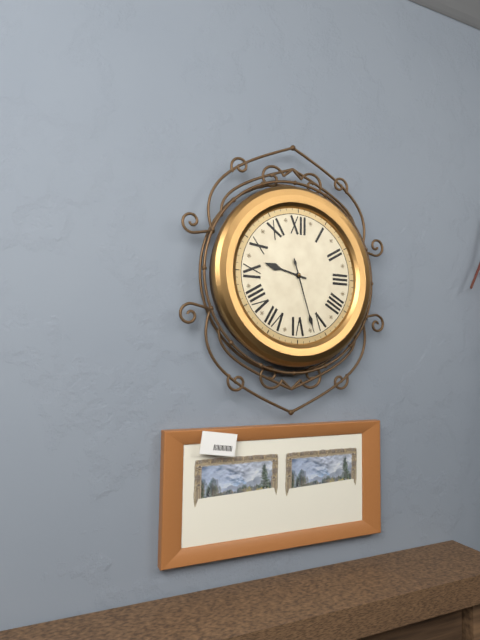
9:27
